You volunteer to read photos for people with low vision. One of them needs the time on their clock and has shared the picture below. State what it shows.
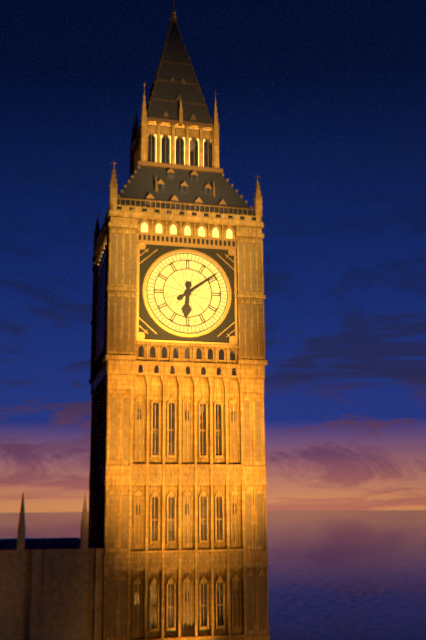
6:09
